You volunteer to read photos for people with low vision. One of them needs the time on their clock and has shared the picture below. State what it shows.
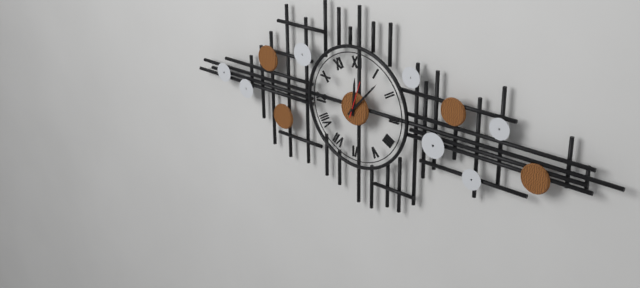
12:07
